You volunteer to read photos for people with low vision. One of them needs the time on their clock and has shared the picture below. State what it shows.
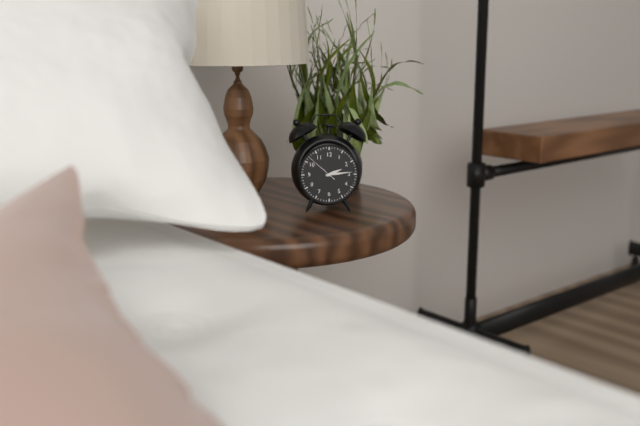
2:14
